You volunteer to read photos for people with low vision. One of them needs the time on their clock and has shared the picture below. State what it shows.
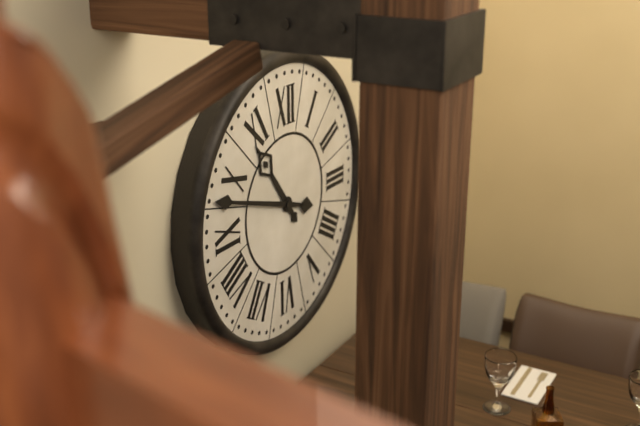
10:48
